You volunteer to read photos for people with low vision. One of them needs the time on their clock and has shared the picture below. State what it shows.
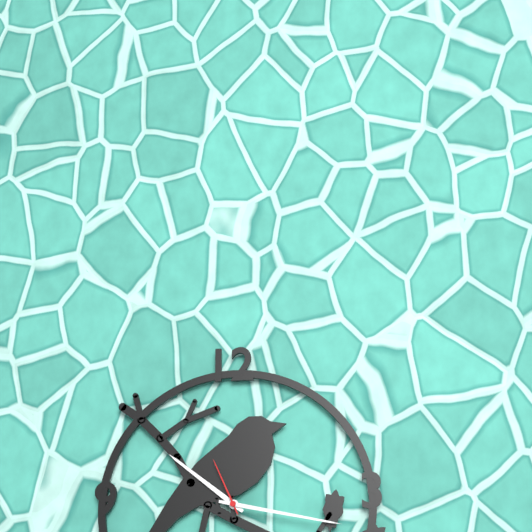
10:17:56
